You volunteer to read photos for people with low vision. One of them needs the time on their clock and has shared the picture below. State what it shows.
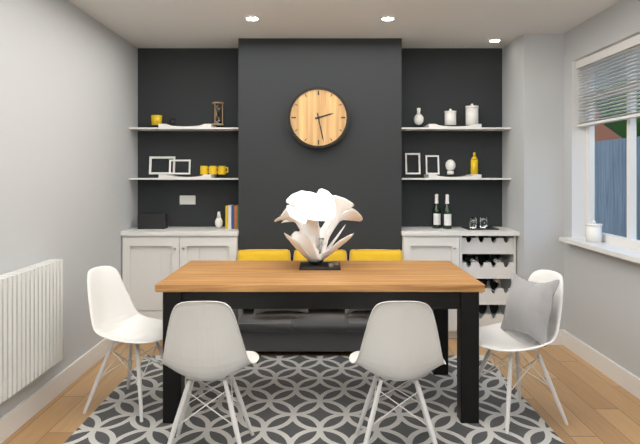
2:28
